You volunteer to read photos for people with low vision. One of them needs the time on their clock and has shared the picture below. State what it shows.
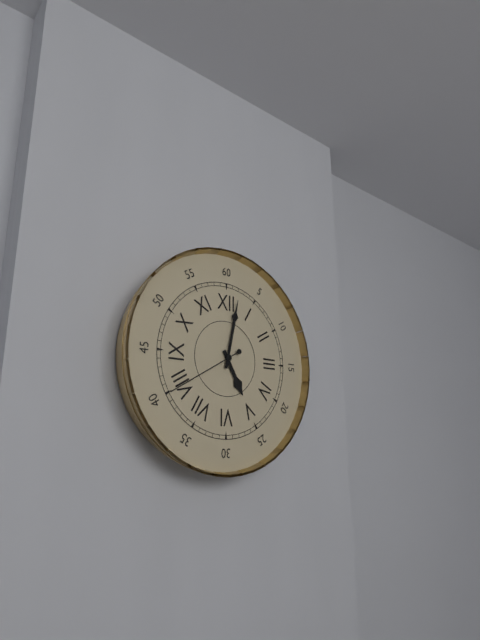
5:02:40
